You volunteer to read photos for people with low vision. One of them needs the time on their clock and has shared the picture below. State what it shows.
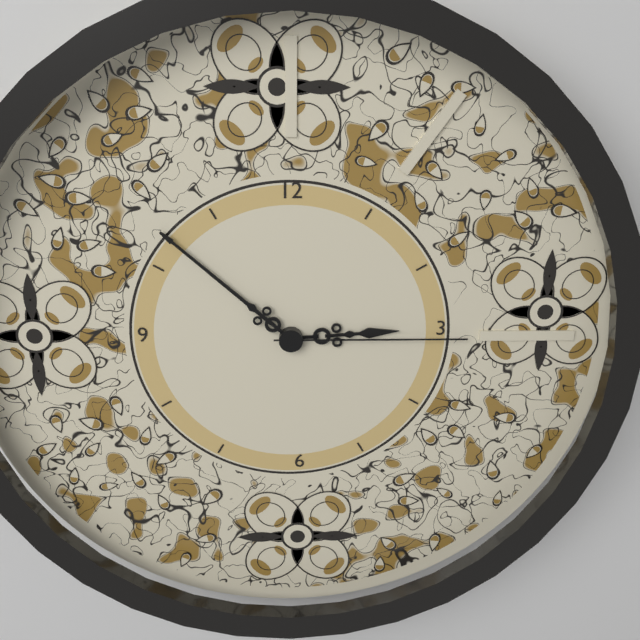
2:52:15
